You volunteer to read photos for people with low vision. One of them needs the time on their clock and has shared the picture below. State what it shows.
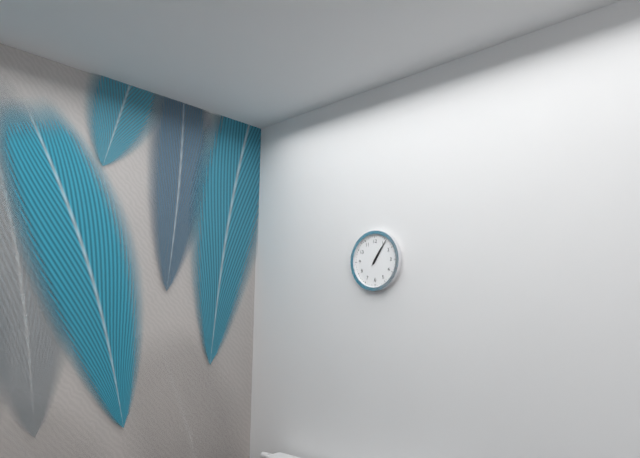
1:06
